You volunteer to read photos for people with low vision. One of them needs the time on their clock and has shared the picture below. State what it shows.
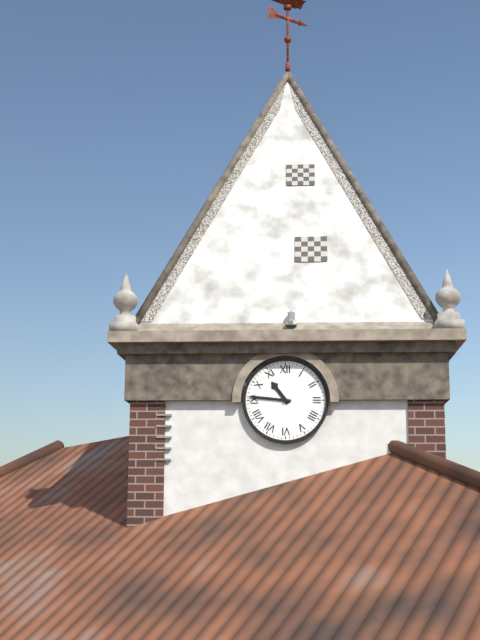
10:46
